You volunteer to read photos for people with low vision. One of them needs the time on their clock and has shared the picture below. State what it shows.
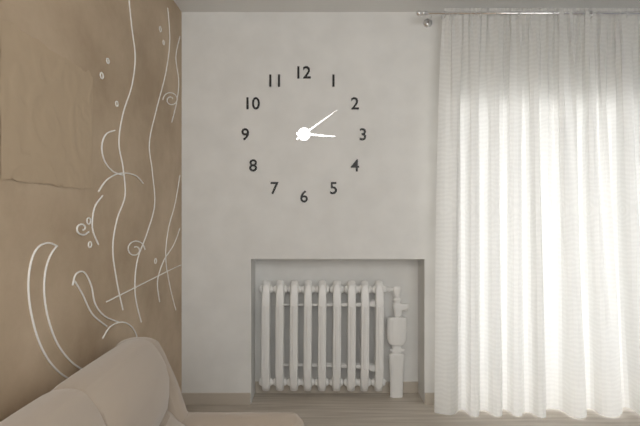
3:09
